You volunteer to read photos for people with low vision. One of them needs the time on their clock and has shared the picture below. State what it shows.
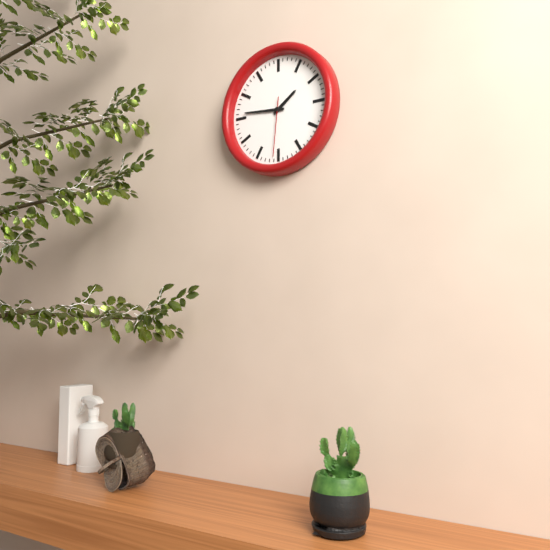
1:46:31
